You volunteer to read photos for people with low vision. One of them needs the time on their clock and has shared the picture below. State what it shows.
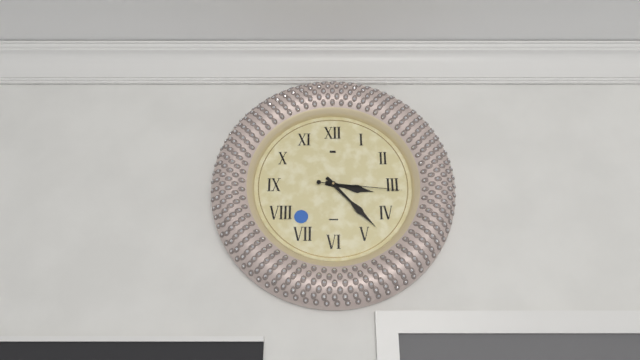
3:23:16
